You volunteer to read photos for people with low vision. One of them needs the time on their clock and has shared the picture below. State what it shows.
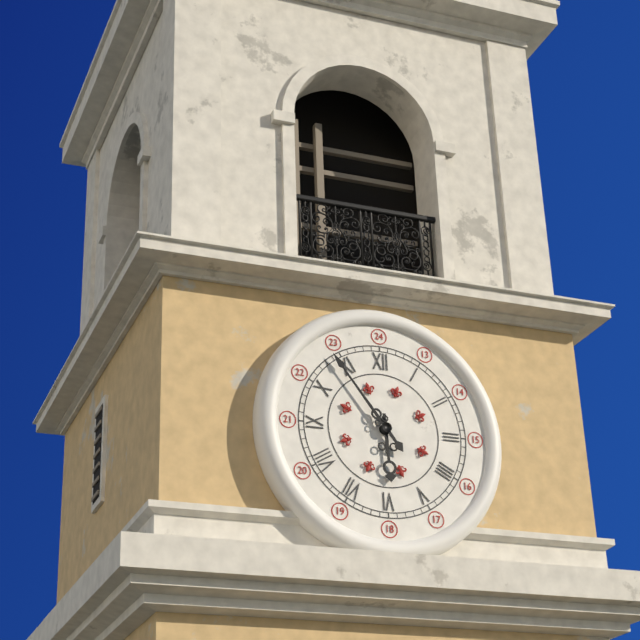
5:54
